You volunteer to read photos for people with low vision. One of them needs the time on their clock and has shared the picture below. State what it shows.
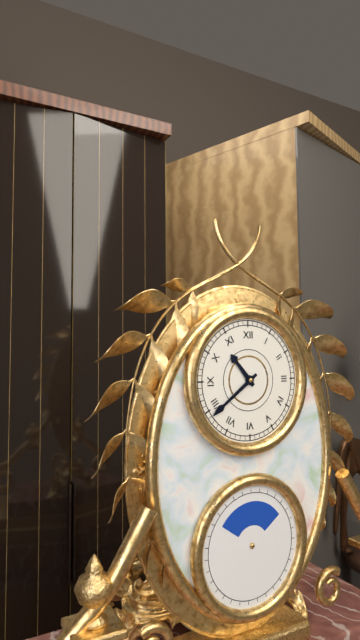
10:39
